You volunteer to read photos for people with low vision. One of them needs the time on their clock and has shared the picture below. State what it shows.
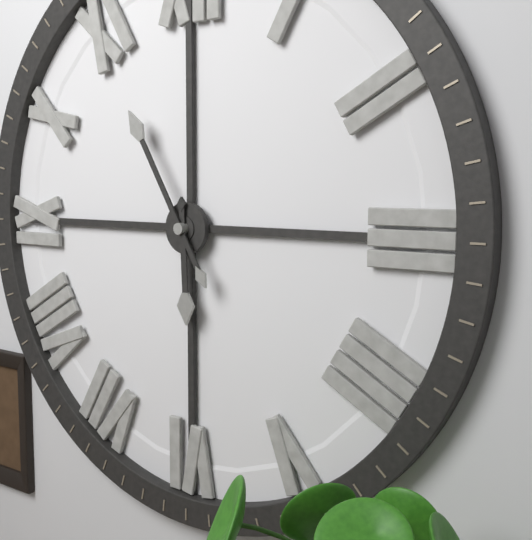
5:55
